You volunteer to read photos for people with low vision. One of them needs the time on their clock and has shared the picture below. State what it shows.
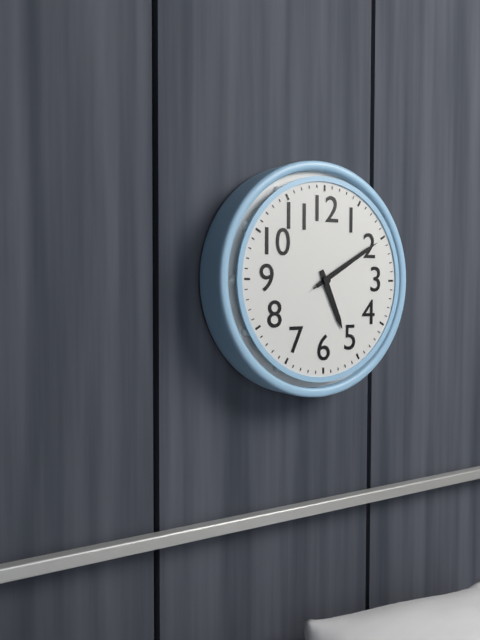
5:10:10
